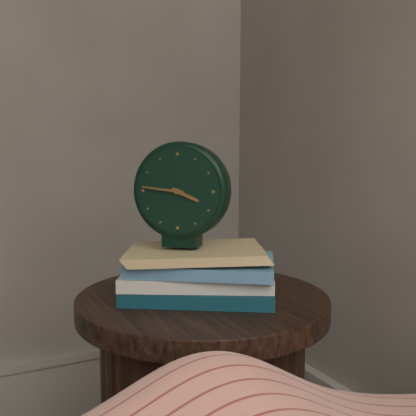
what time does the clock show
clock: 3:46
